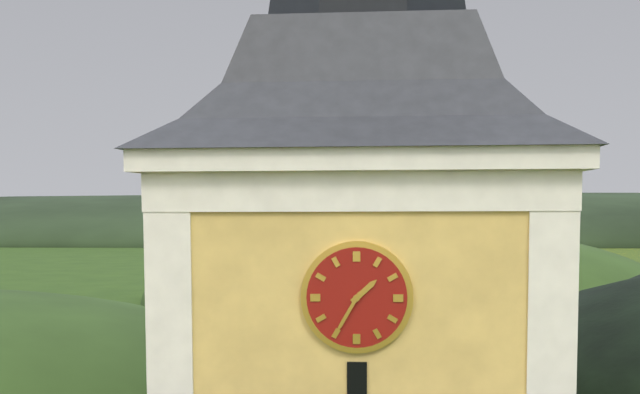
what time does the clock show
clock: 1:35
